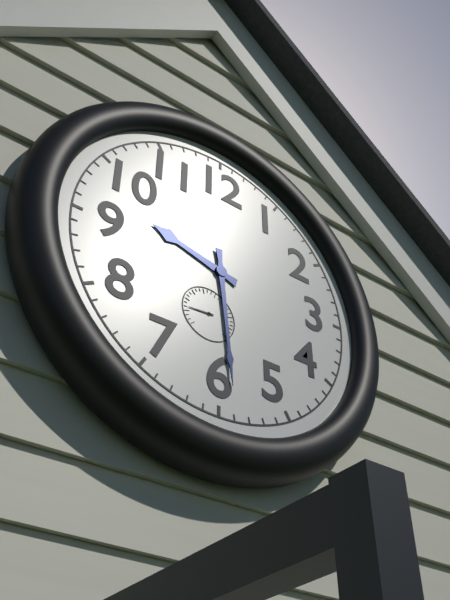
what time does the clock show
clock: 9:29
